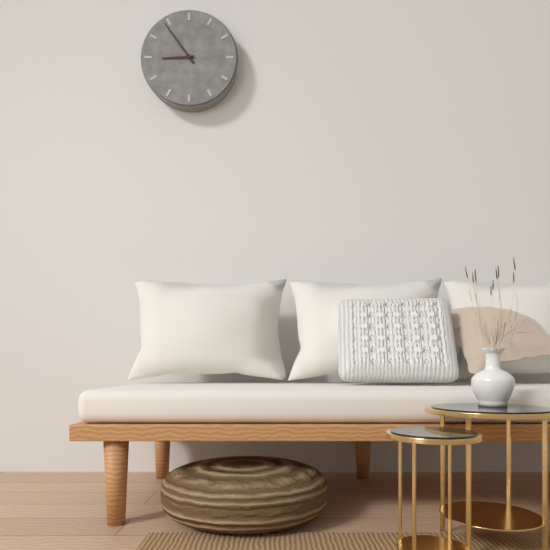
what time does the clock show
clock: 8:54
